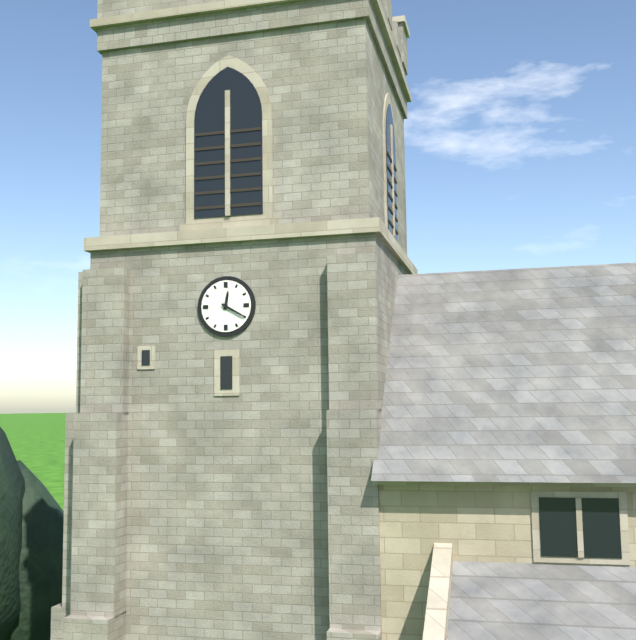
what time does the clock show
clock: 12:20
